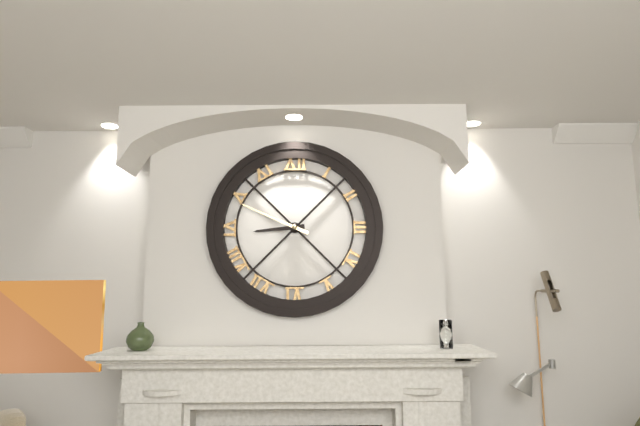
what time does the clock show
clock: 8:49
